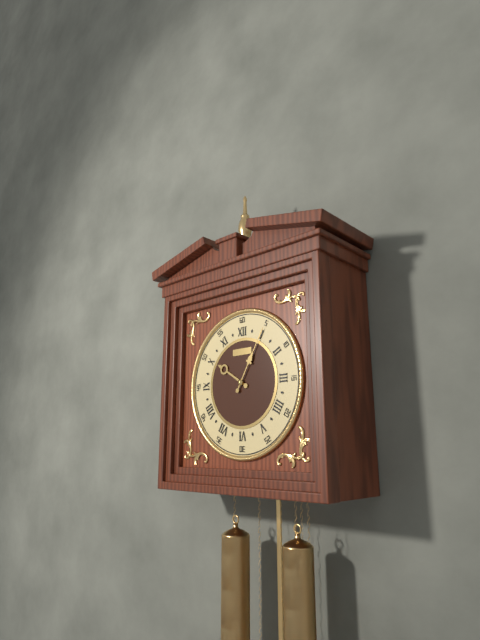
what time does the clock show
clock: 10:05
